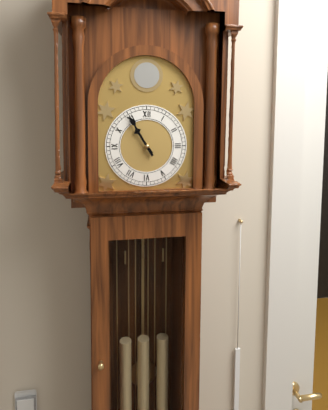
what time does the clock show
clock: 10:55
